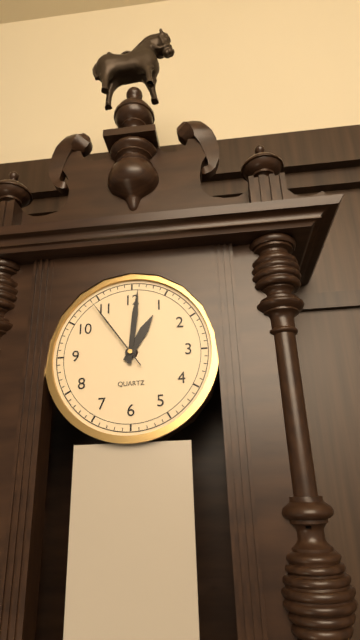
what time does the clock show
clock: 1:01:54
